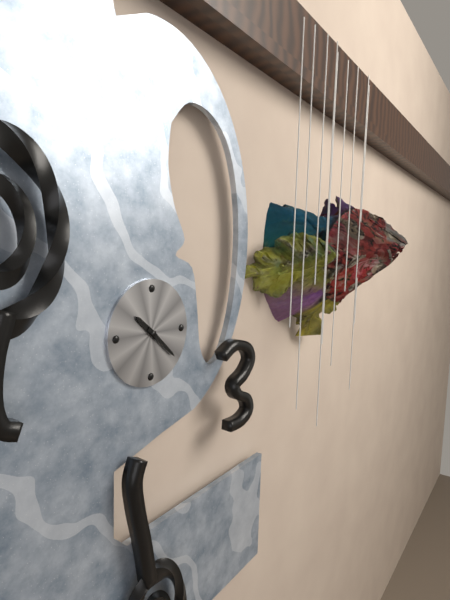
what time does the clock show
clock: 10:22
